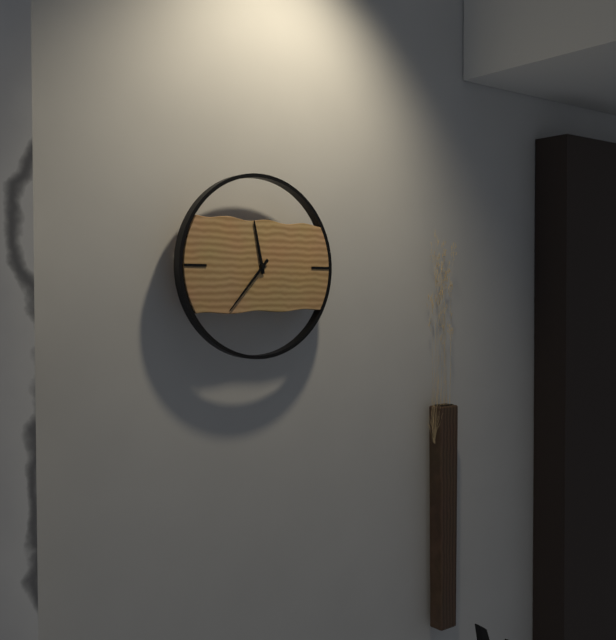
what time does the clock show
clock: 11:37
